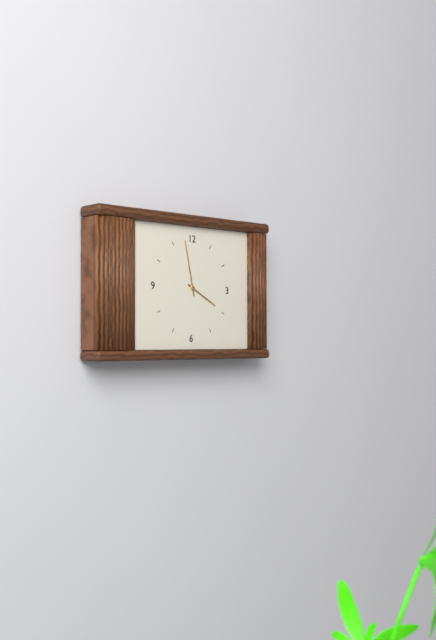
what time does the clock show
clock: 3:58
